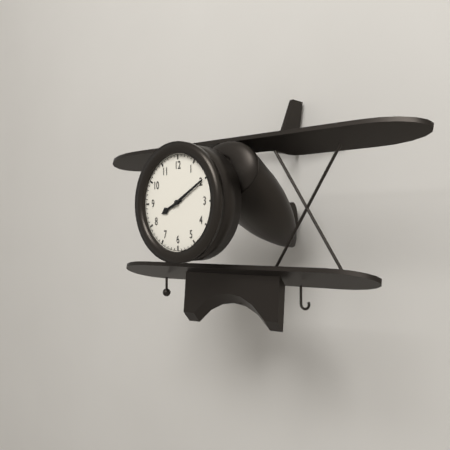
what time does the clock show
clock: 8:10
